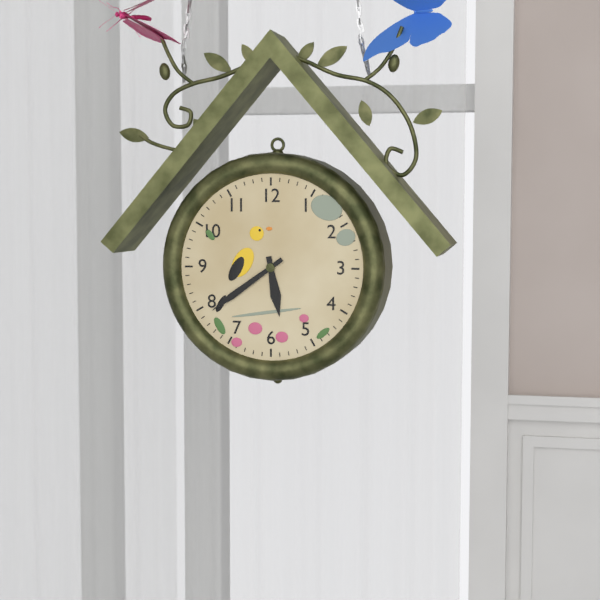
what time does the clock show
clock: 5:39
